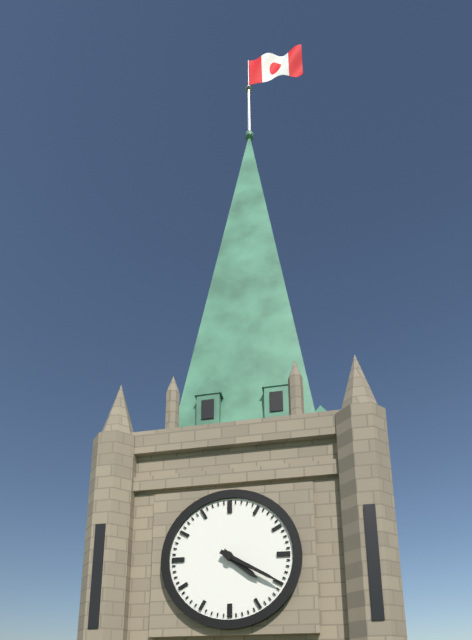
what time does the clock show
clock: 4:20
